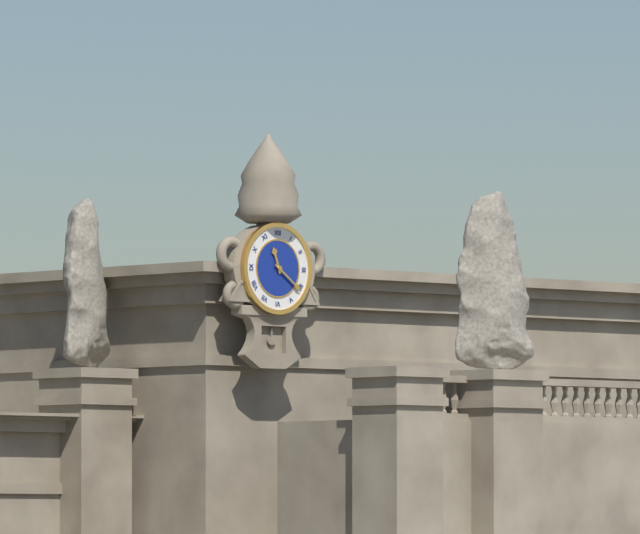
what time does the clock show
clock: 11:21
